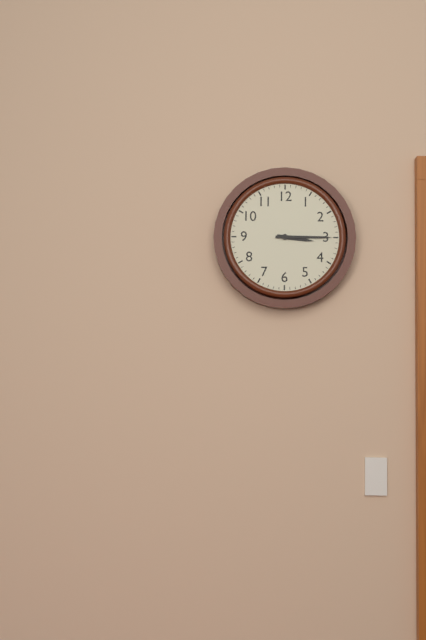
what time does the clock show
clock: 3:15
